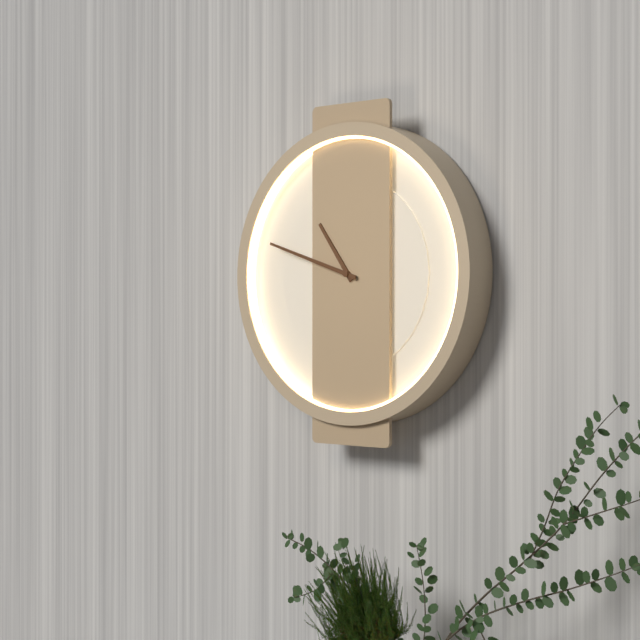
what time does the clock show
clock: 10:48
